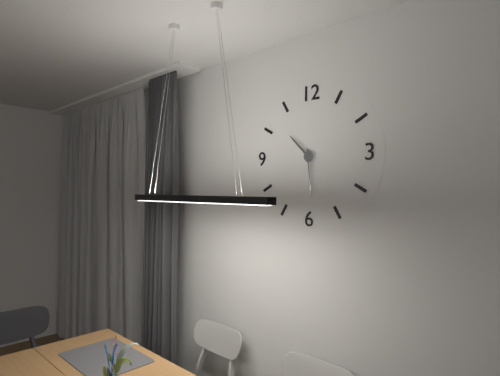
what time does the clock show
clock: 10:29
